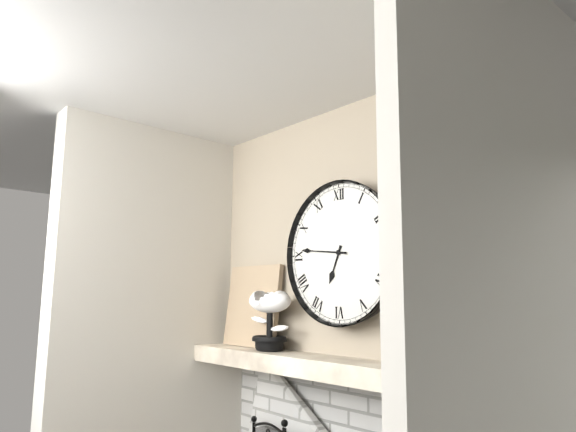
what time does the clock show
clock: 6:46
